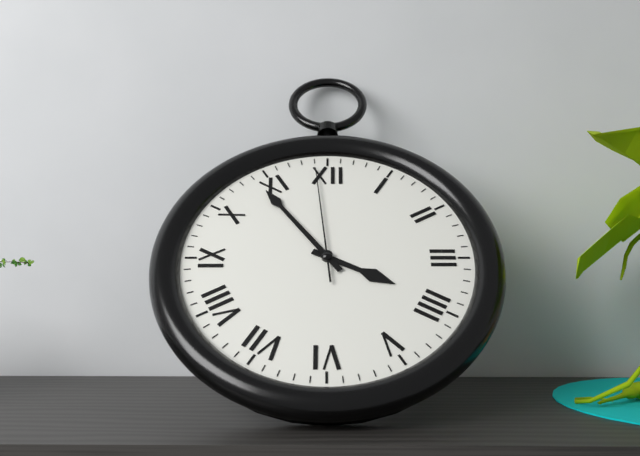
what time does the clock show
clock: 3:54:59
